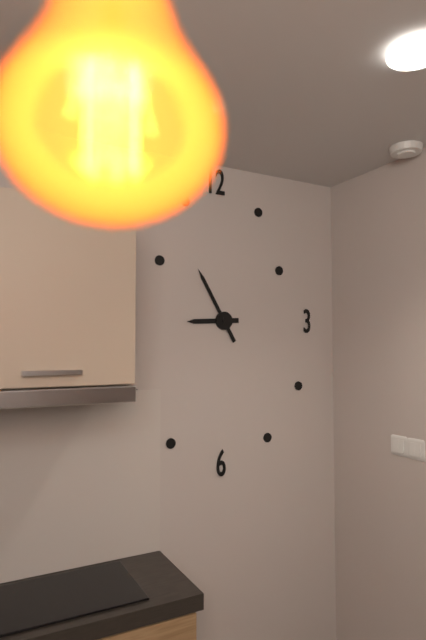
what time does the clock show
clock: 8:55
